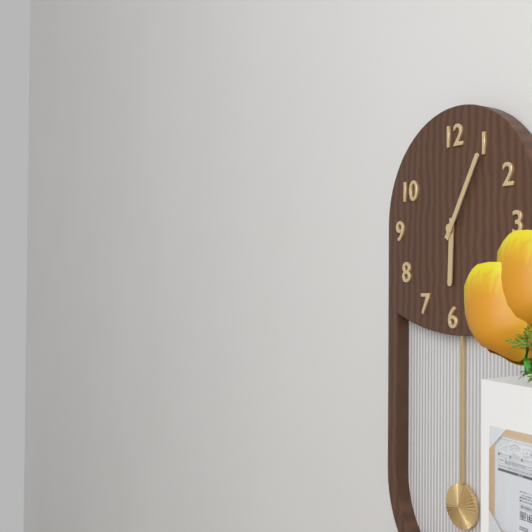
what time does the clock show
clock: 6:05
